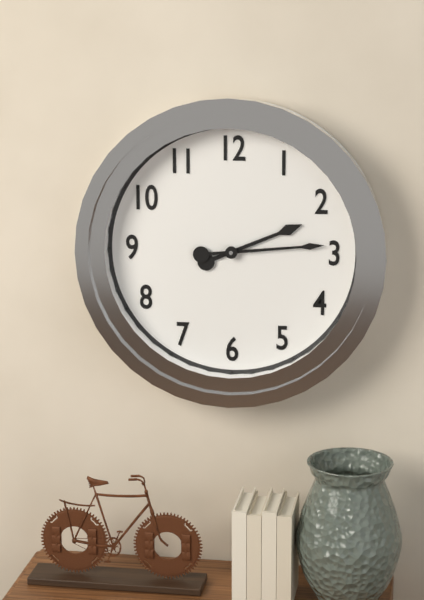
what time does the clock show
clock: 2:14
